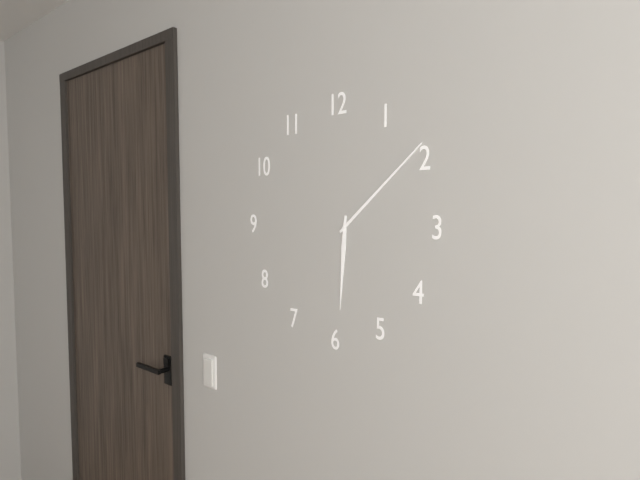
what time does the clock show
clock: 6:08
